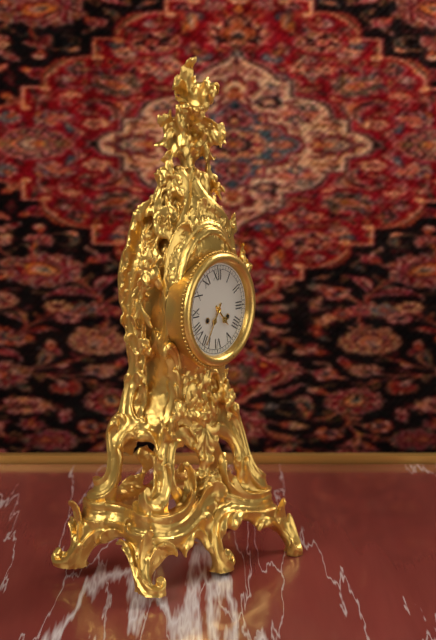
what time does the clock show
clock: 4:35
